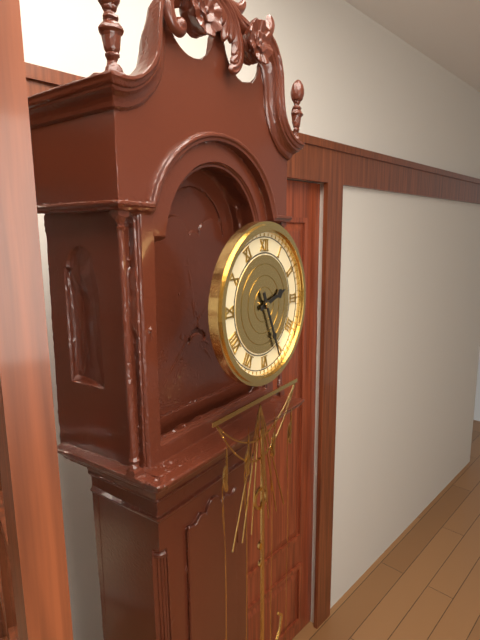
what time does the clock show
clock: 2:26
